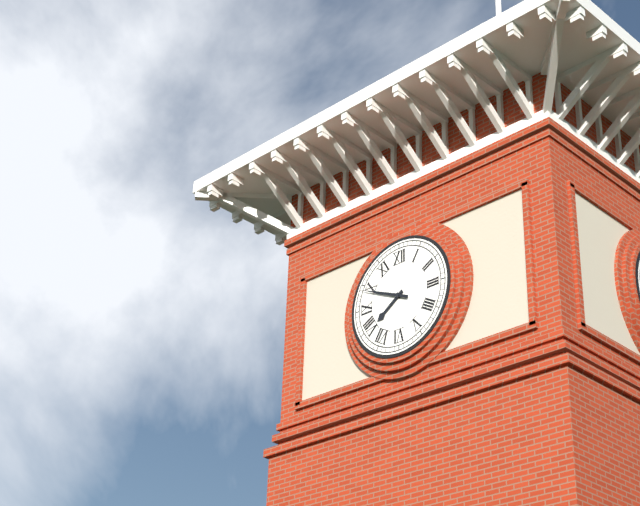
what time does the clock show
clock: 7:49
